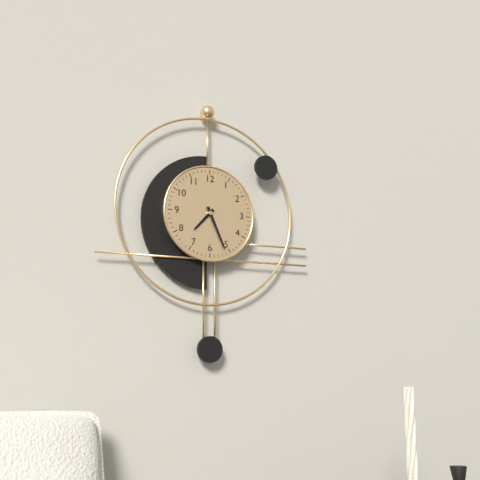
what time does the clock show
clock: 7:26
